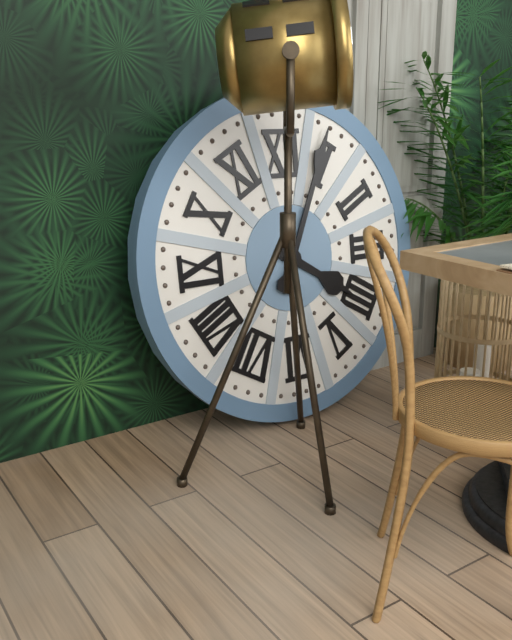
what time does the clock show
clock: 4:04
